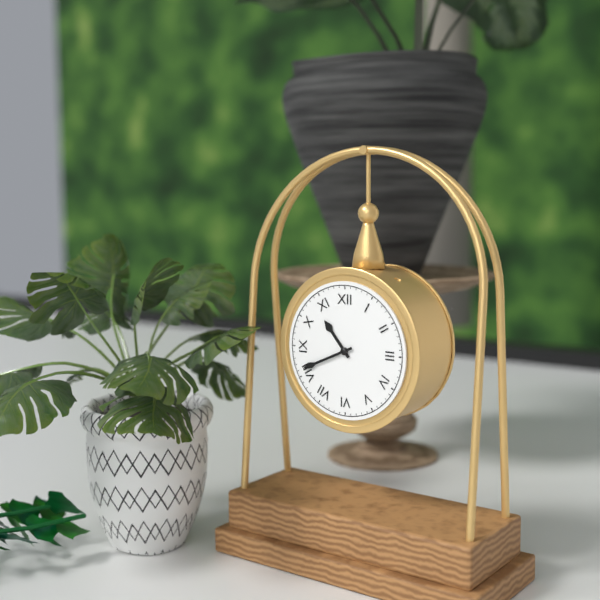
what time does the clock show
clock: 10:41
